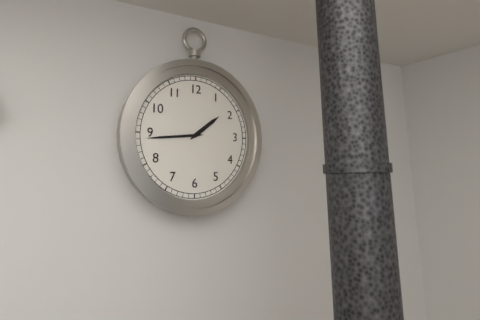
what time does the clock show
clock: 1:44
